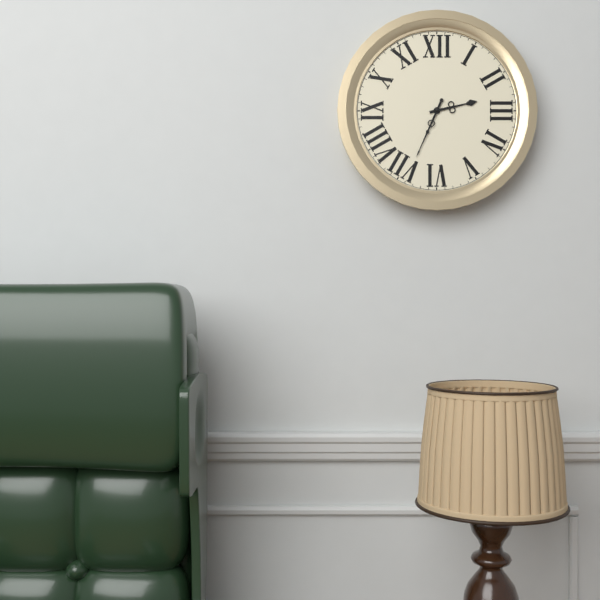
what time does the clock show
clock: 2:34
